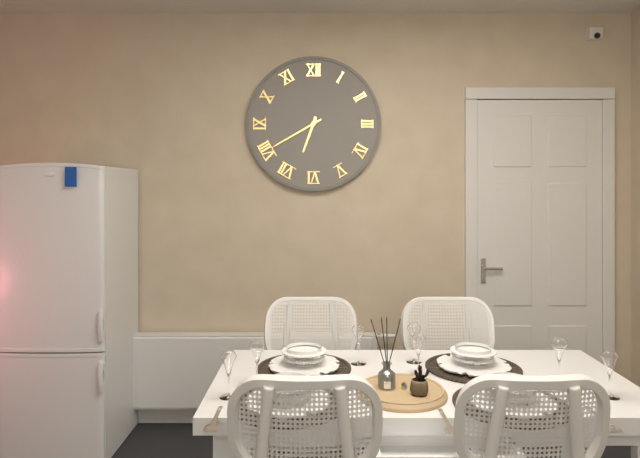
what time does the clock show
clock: 6:40
